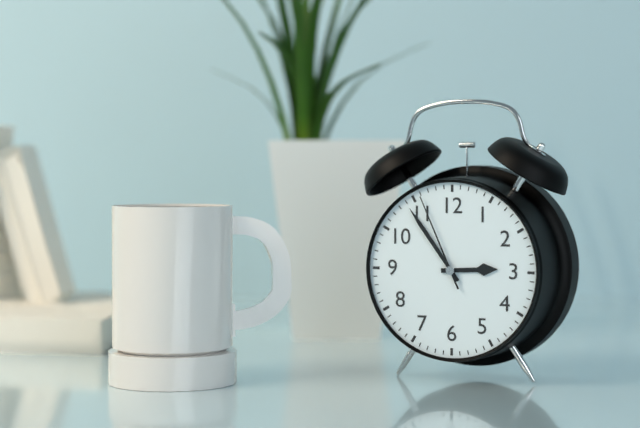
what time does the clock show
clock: 2:54:56
